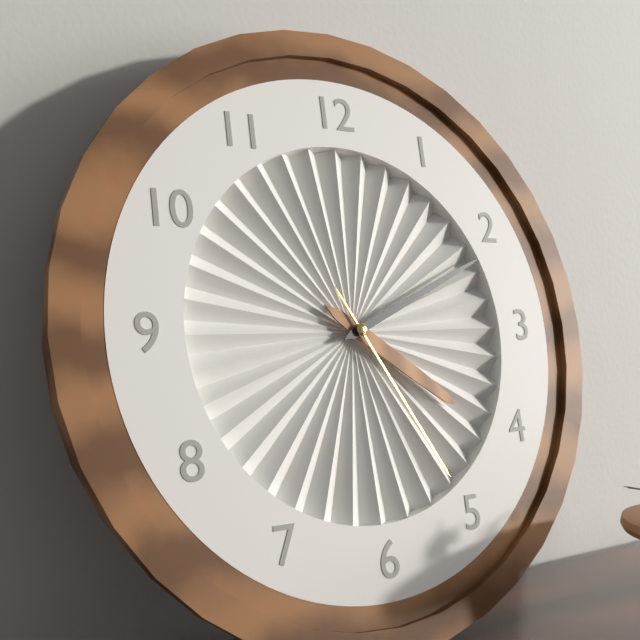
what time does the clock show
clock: 4:11:25
